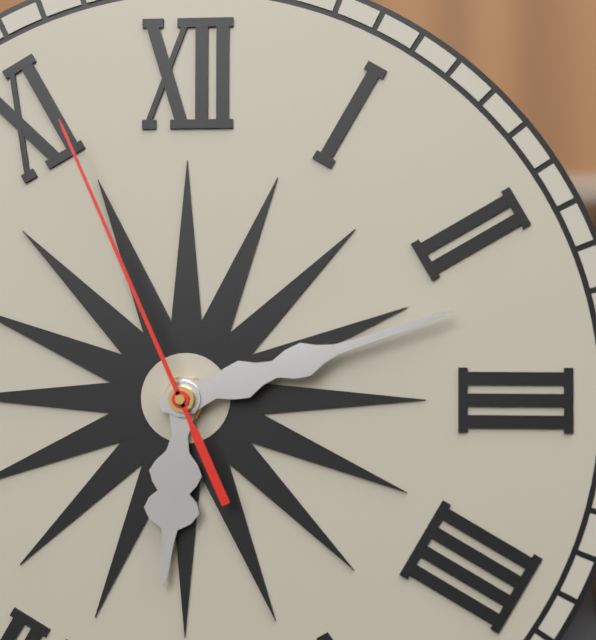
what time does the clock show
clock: 6:12:56
